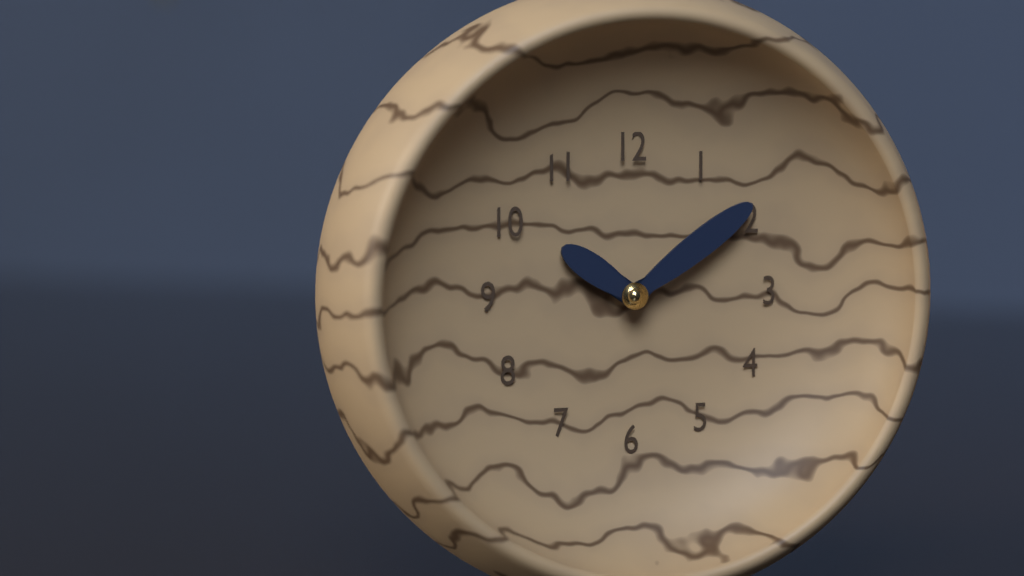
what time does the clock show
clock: 10:09
